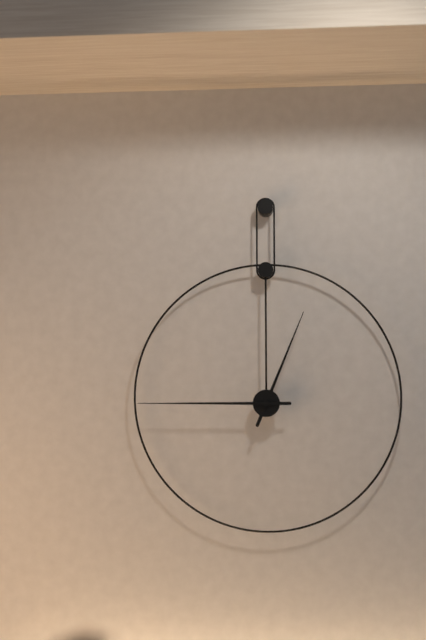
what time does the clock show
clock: 12:45
